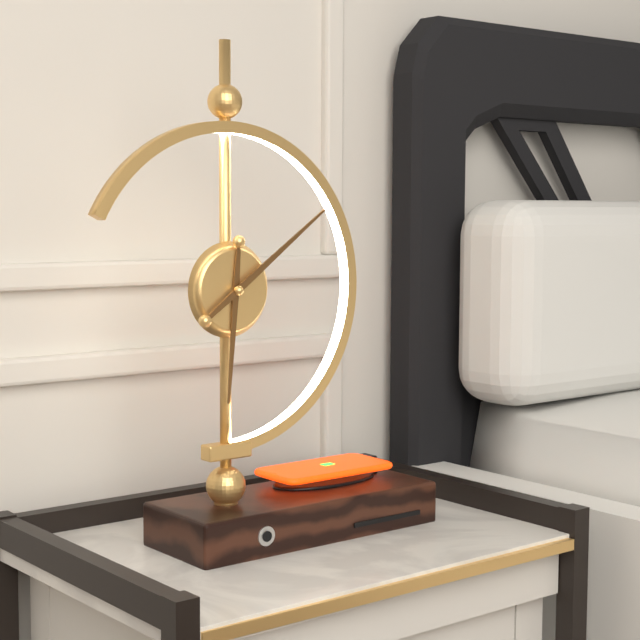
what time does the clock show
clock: 6:09
